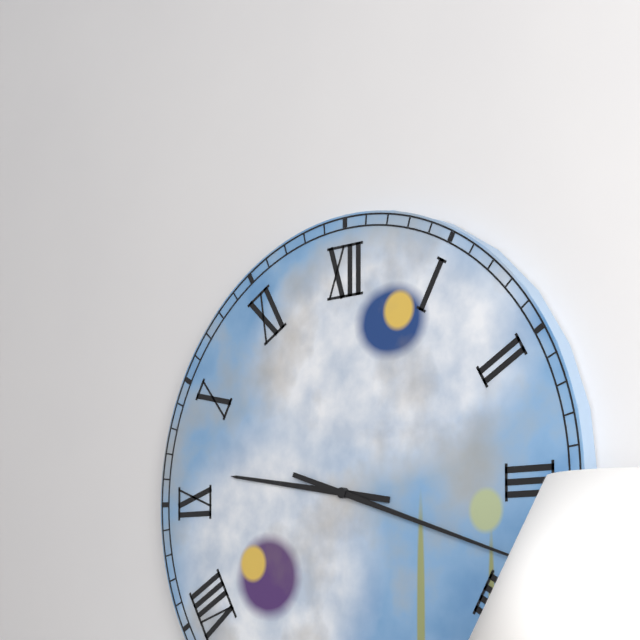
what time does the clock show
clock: 9:18
